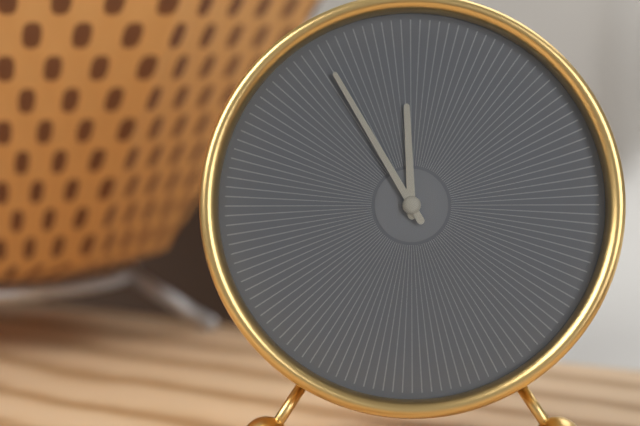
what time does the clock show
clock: 11:55
